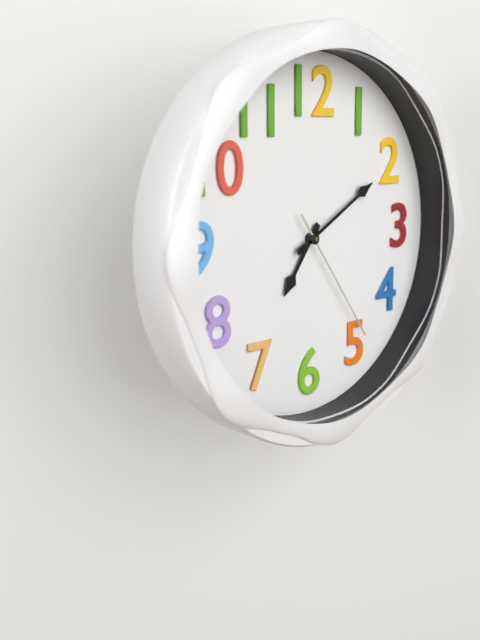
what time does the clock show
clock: 7:10:24
